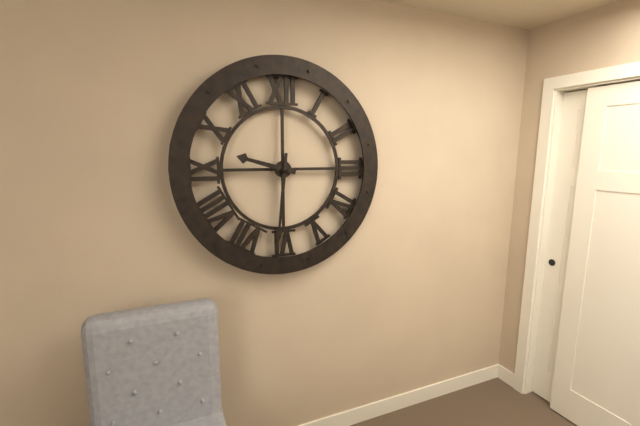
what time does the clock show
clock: 9:31
